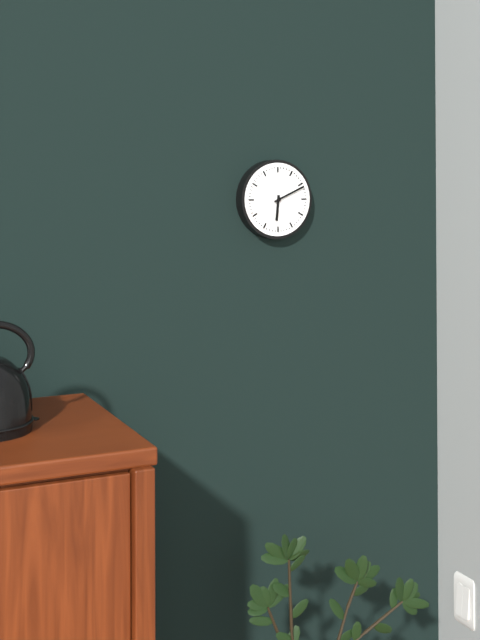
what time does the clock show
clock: 6:11
